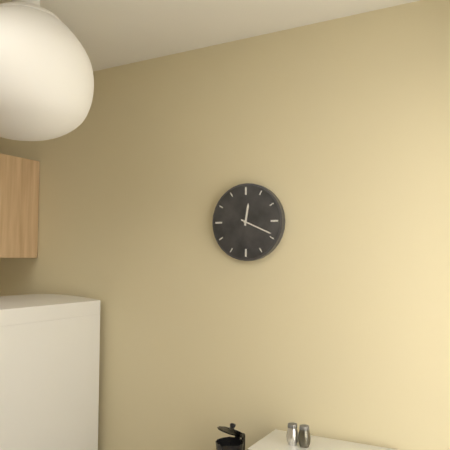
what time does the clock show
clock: 12:19
